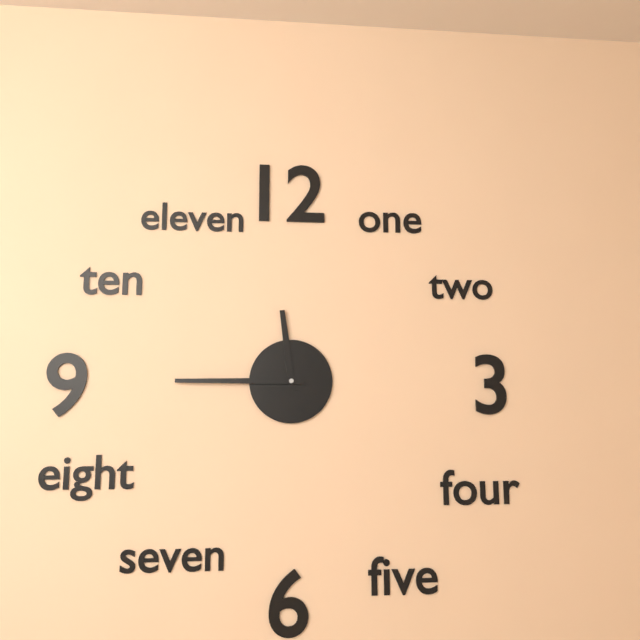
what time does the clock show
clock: 11:45
